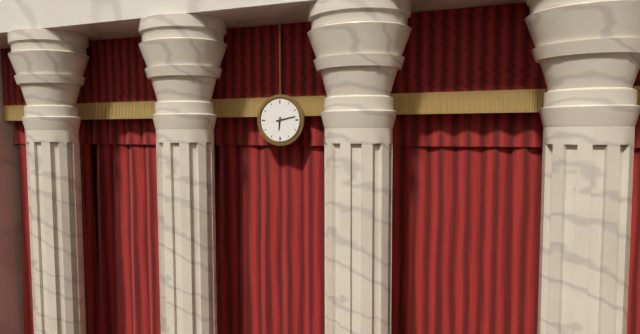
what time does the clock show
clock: 6:13
